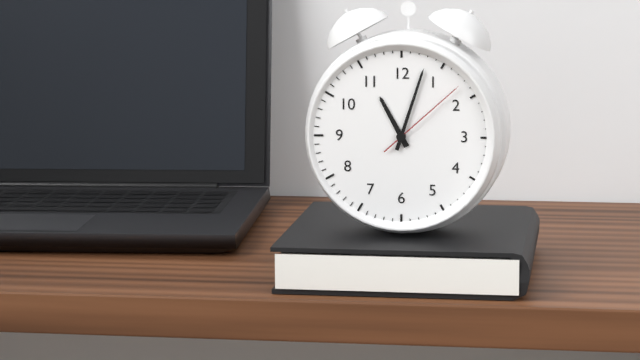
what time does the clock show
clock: 11:03:08
